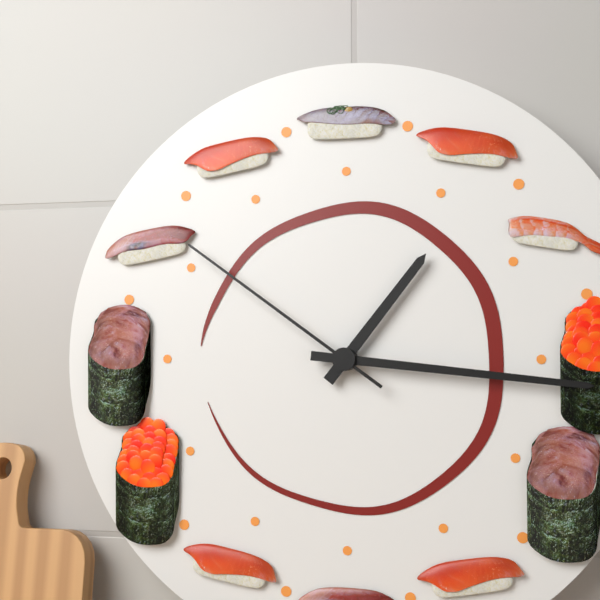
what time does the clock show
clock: 1:16:51
